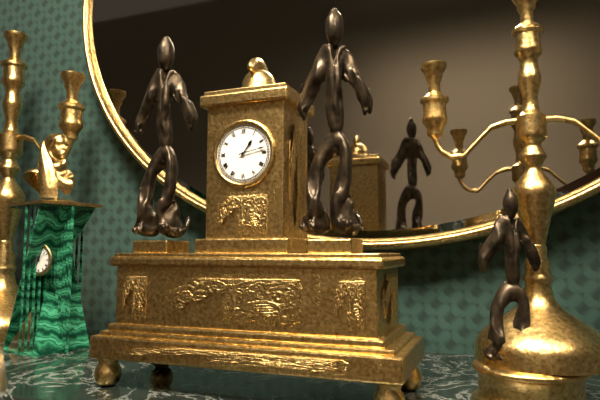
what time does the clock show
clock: 1:13
